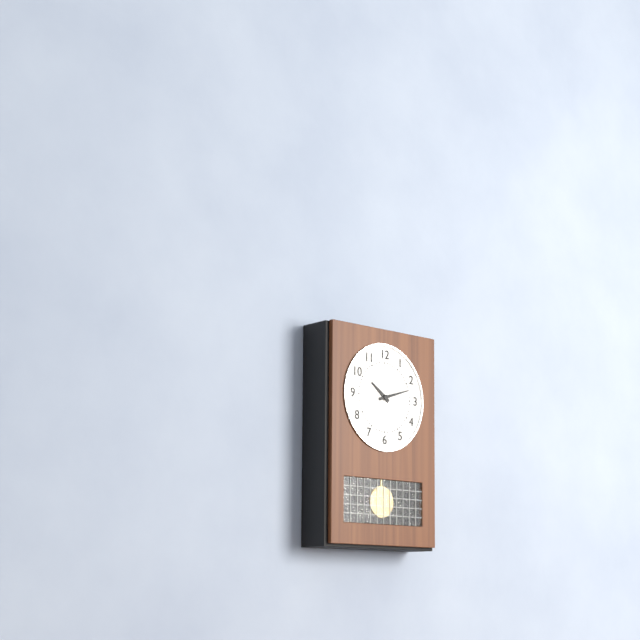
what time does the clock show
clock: 10:12
